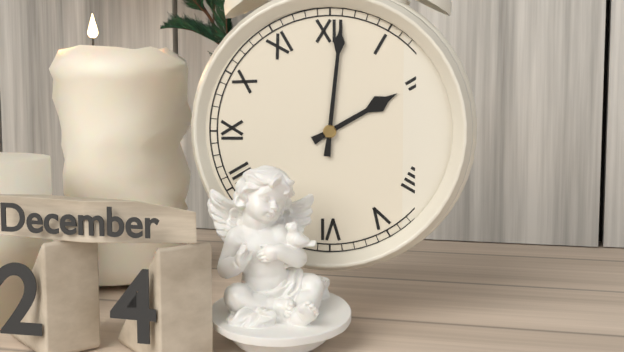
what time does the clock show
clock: 2:01
